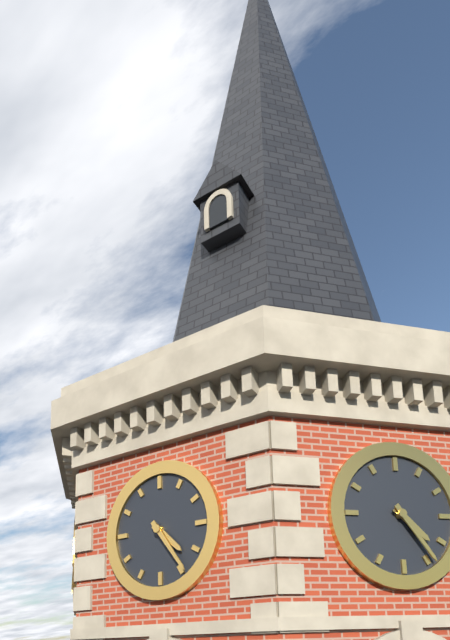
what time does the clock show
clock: 4:24
